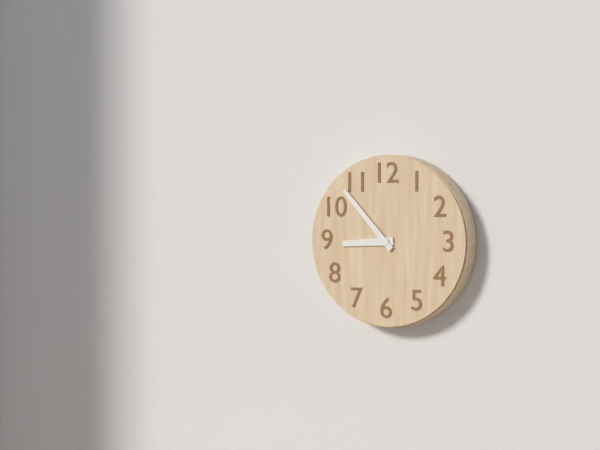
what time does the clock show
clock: 8:53
